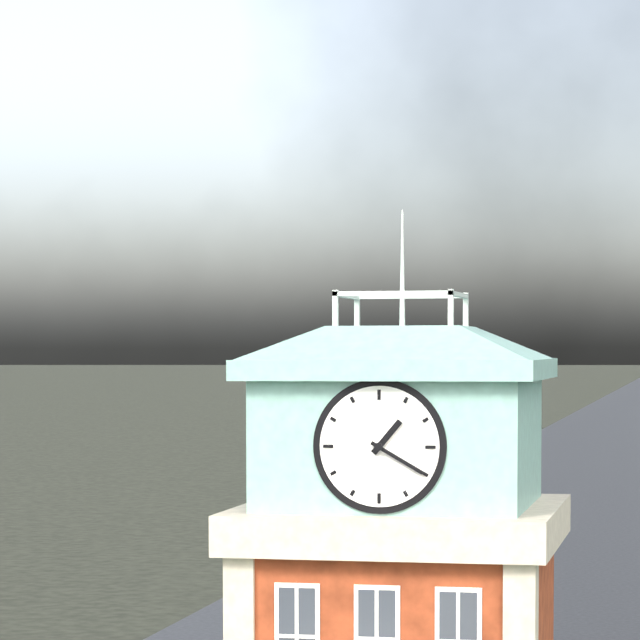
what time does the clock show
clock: 1:20
